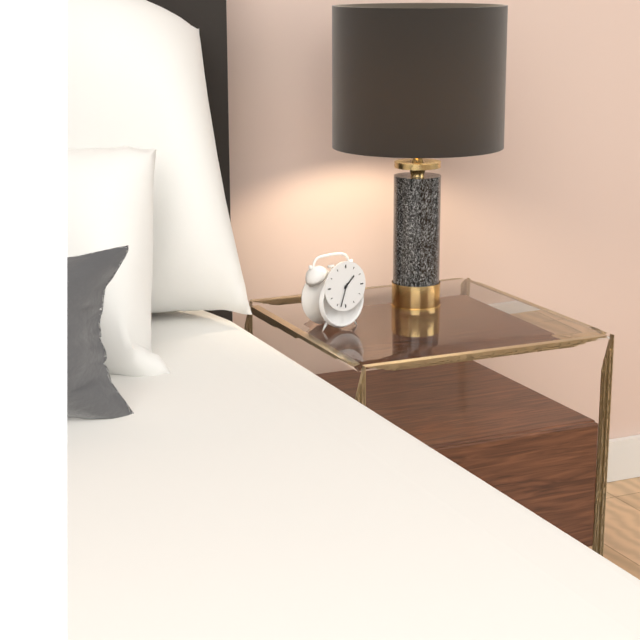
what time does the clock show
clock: 1:33
